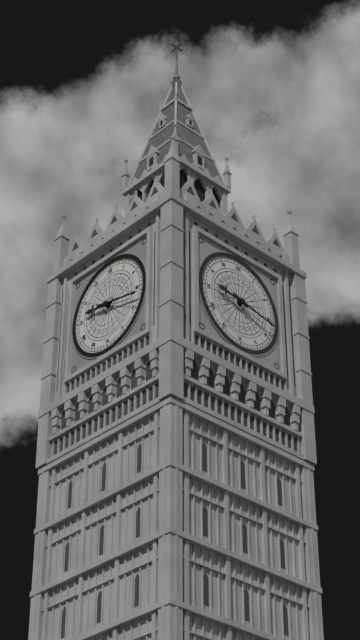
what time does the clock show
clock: 9:17
